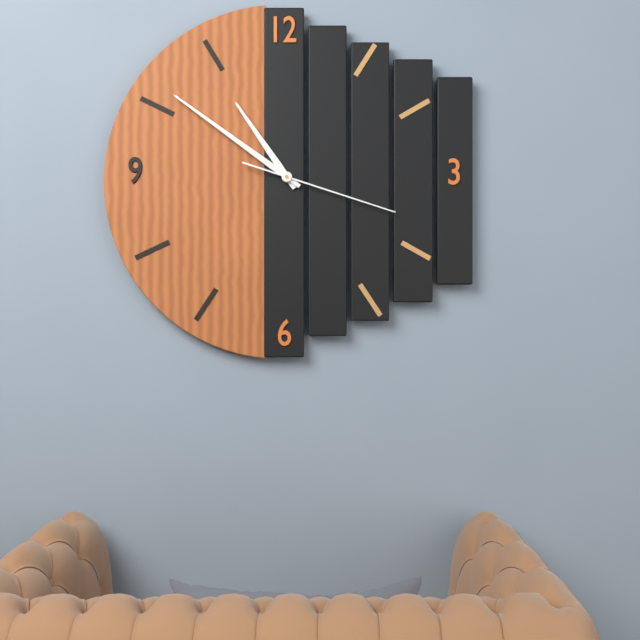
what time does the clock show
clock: 10:51:18
